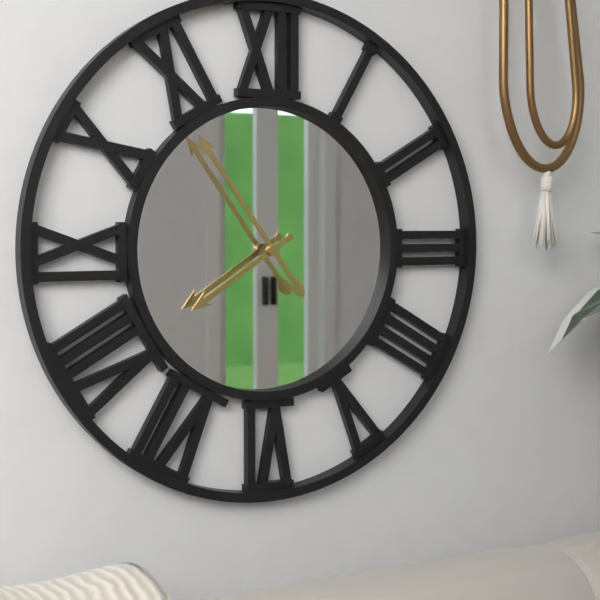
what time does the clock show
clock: 7:54
